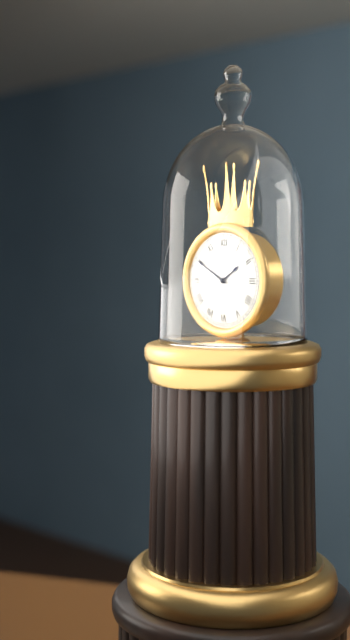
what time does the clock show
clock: 1:50
